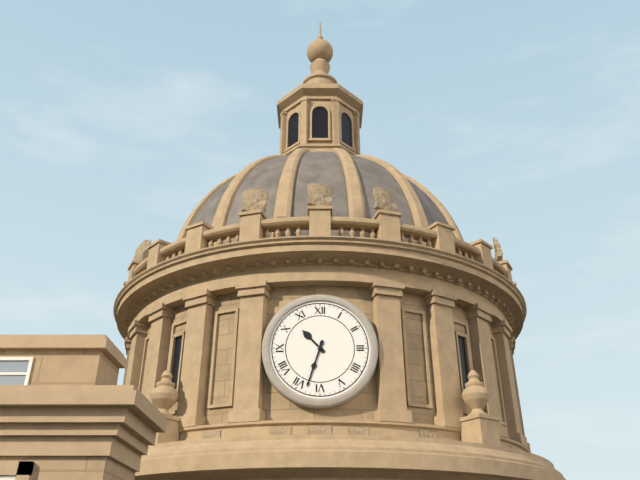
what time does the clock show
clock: 10:33
